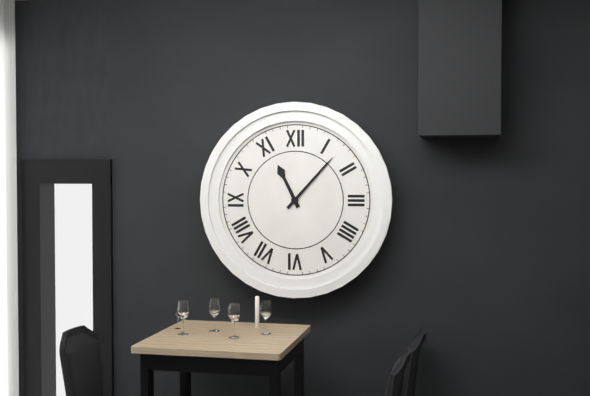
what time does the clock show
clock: 11:07
